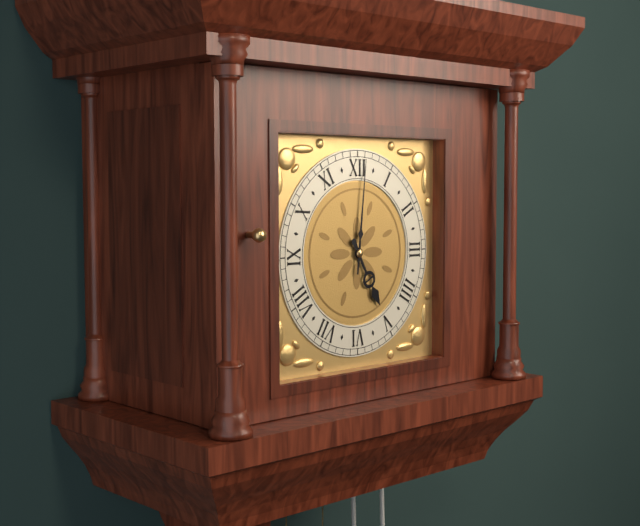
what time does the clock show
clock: 5:01
